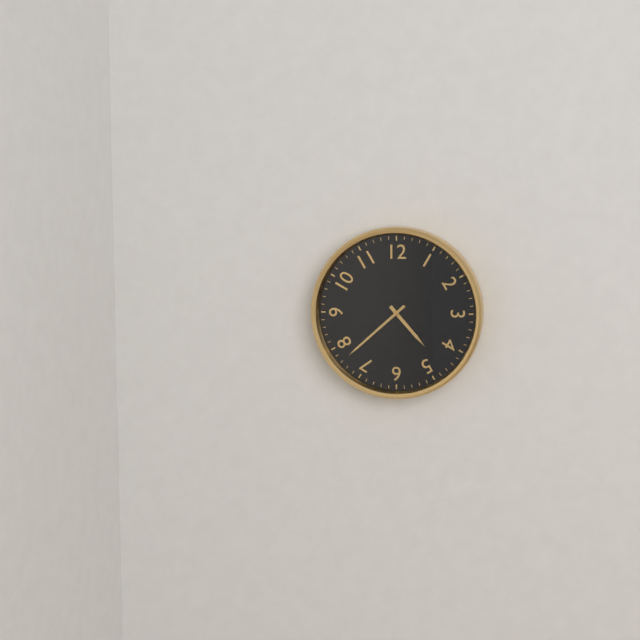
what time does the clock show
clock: 4:38
